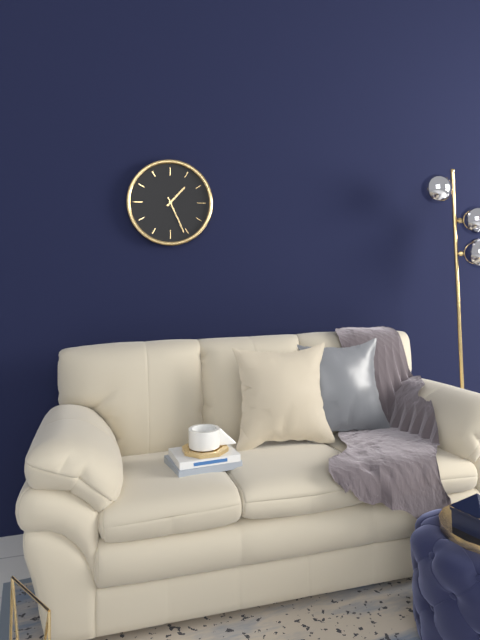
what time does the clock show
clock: 1:26
